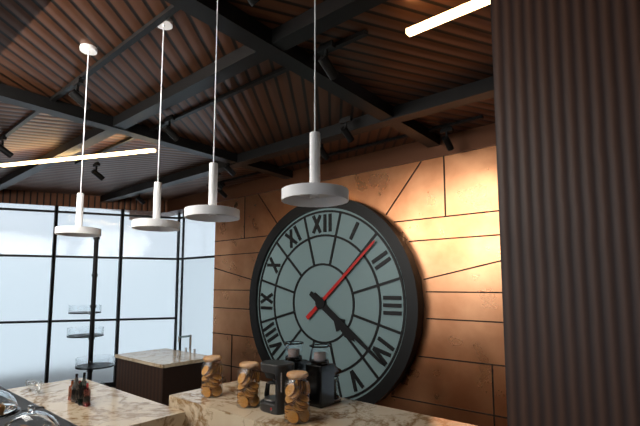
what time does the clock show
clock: 4:21:08
